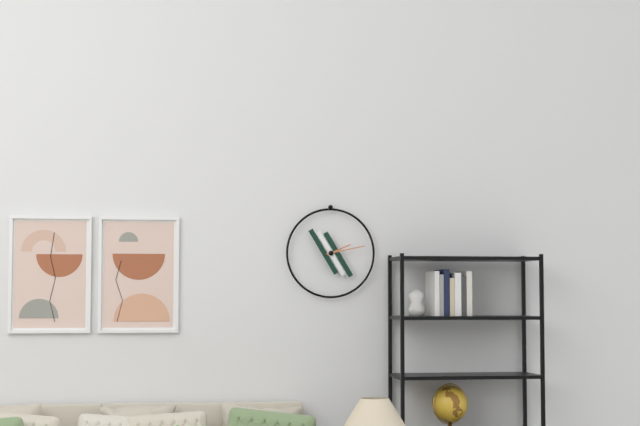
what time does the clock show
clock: 2:13
